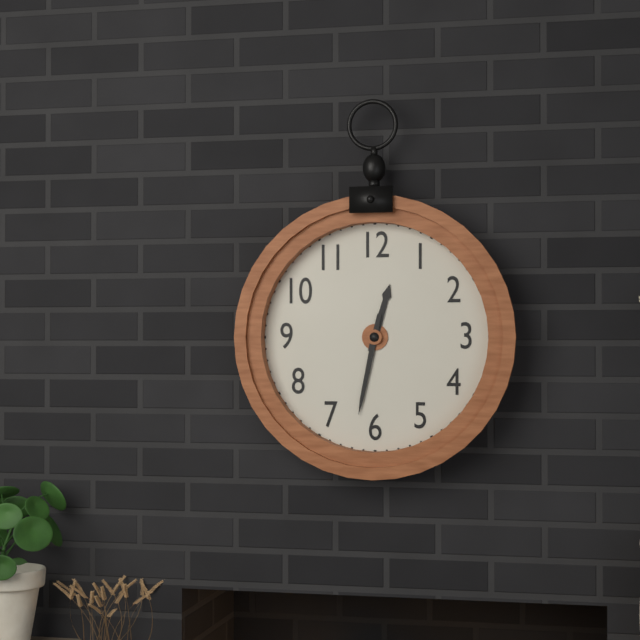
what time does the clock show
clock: 12:32
